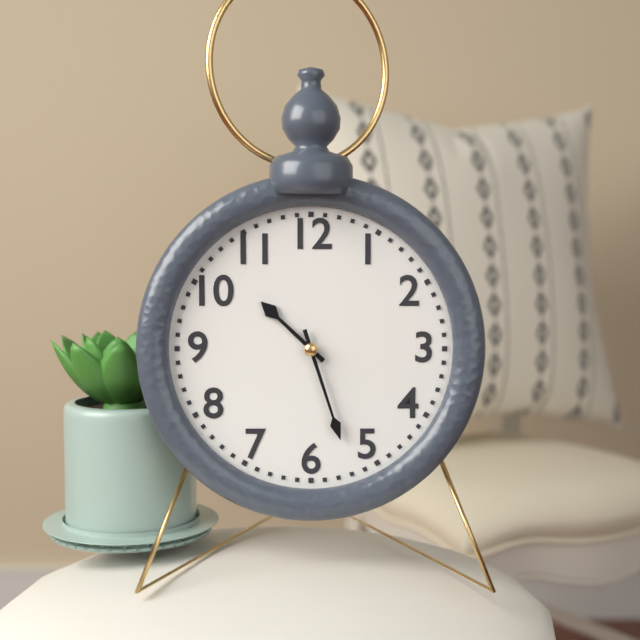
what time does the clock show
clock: 10:27
